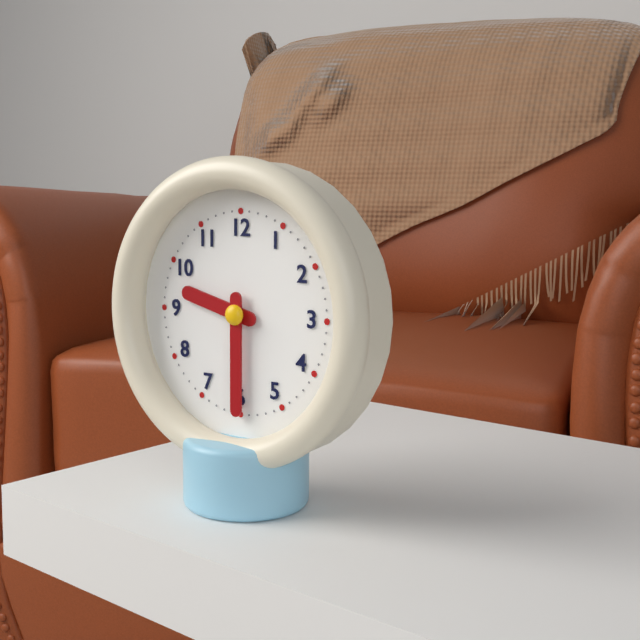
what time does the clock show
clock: 9:30
